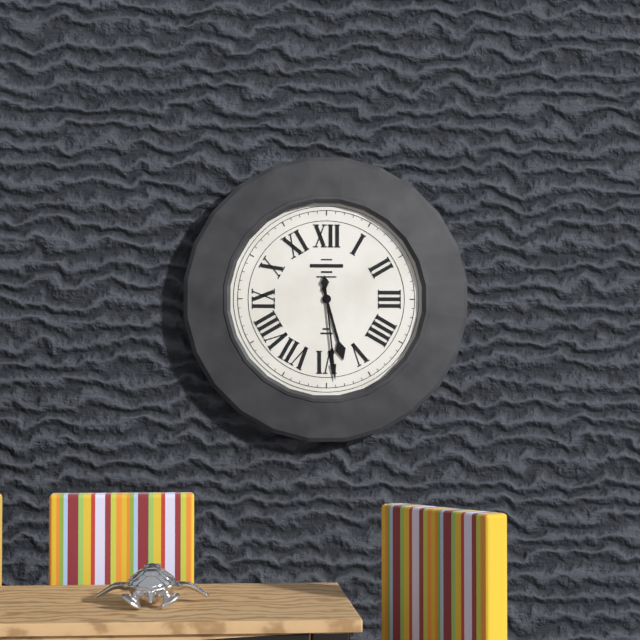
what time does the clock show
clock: 5:29
